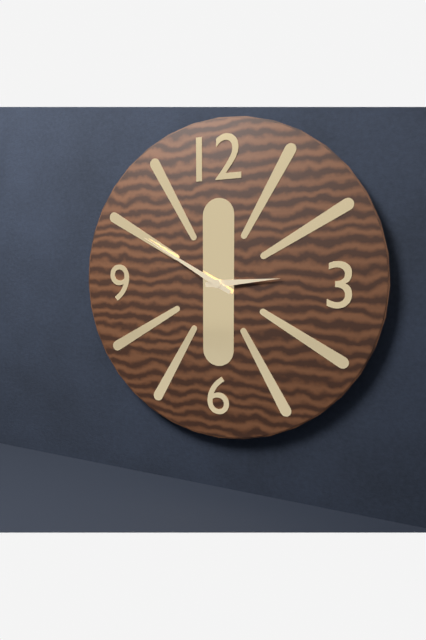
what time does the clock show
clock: 2:50
